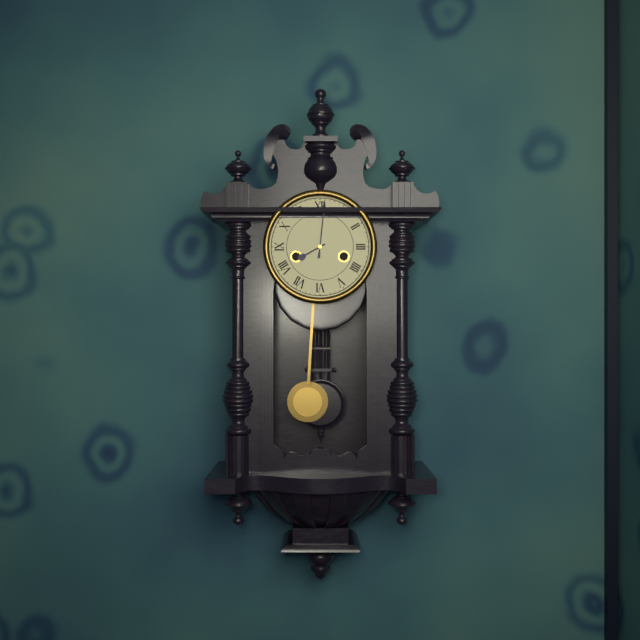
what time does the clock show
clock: 8:01
